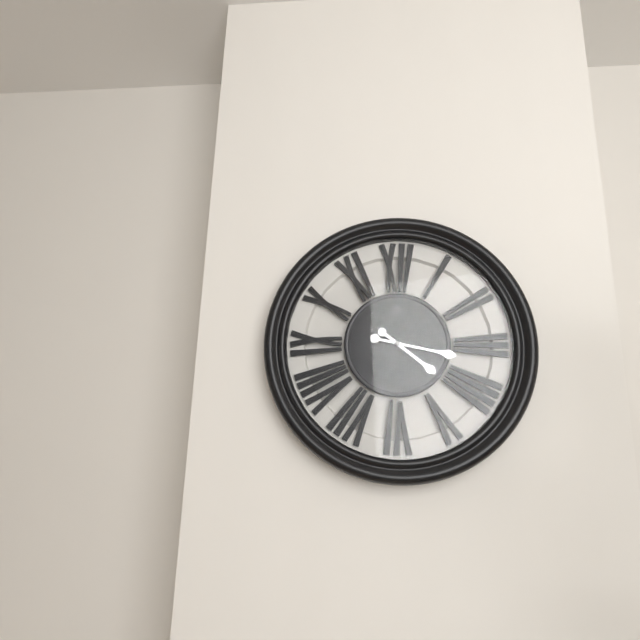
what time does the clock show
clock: 4:17
